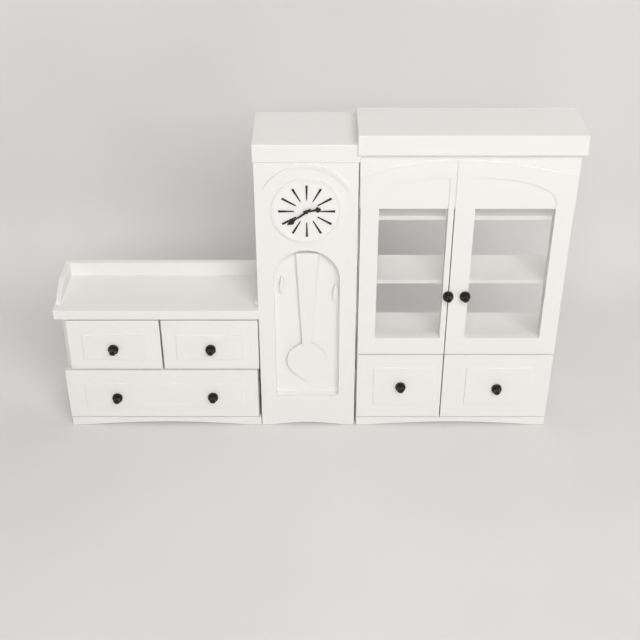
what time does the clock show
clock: 2:39
